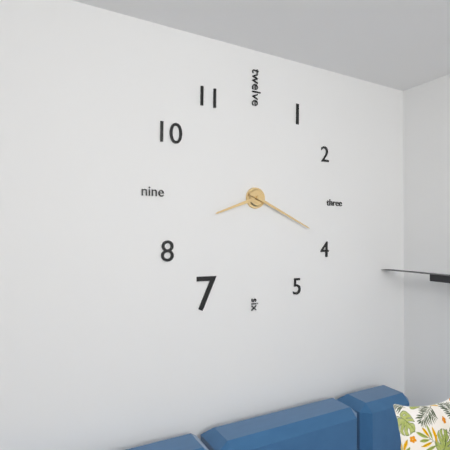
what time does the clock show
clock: 8:19
